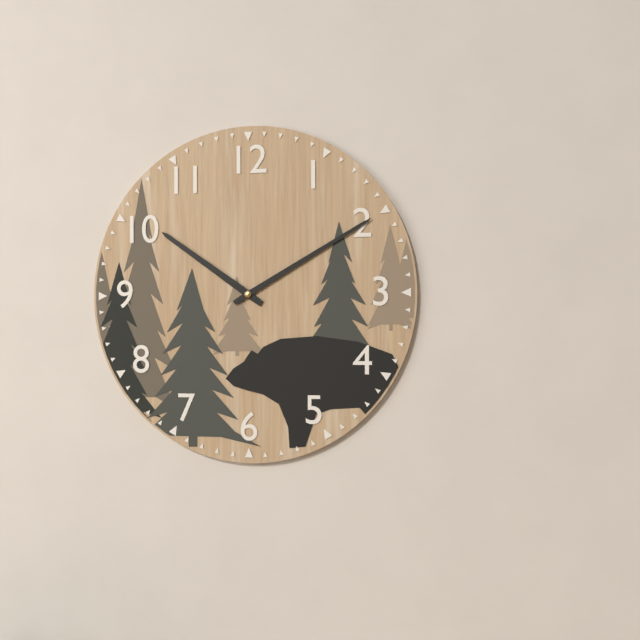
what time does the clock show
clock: 10:10
